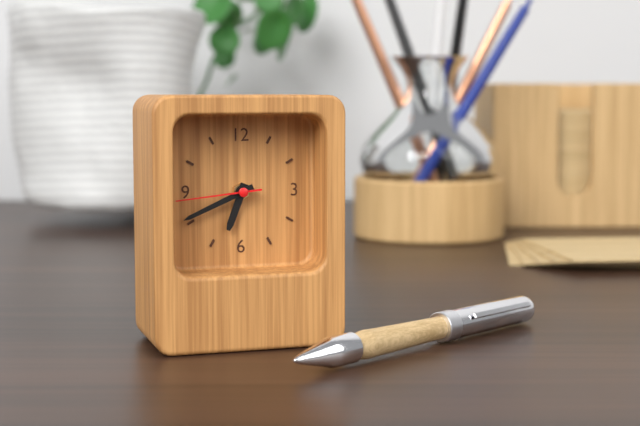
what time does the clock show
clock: 6:41:44
